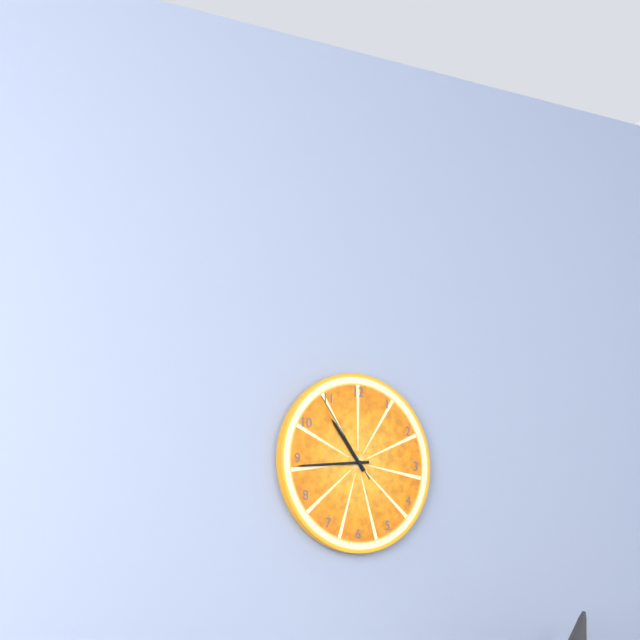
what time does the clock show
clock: 10:44:54
